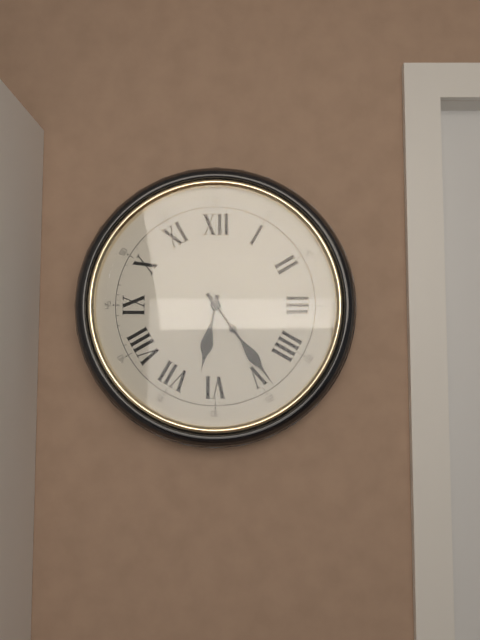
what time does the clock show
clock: 6:24
